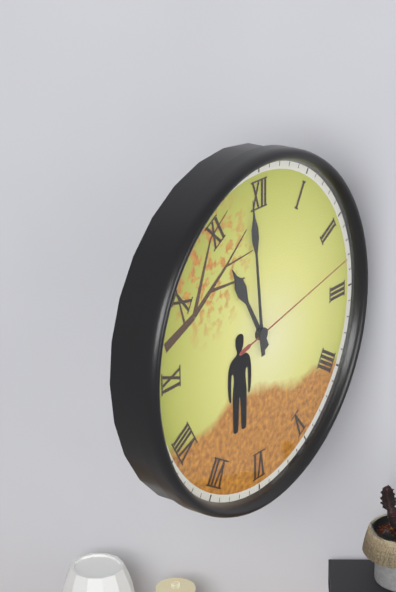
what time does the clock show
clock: 10:59:13
